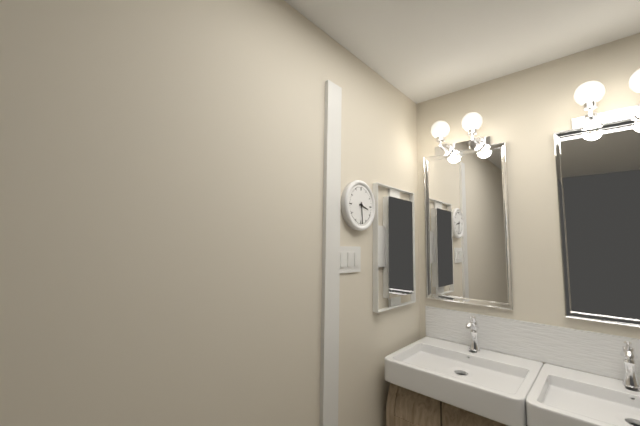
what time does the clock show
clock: 3:29
